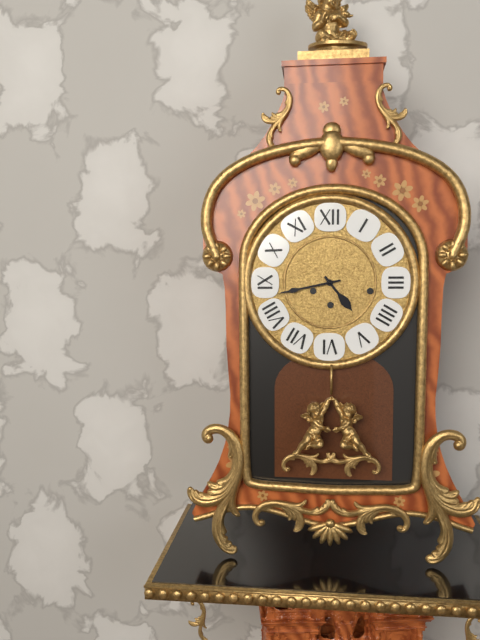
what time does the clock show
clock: 4:43
